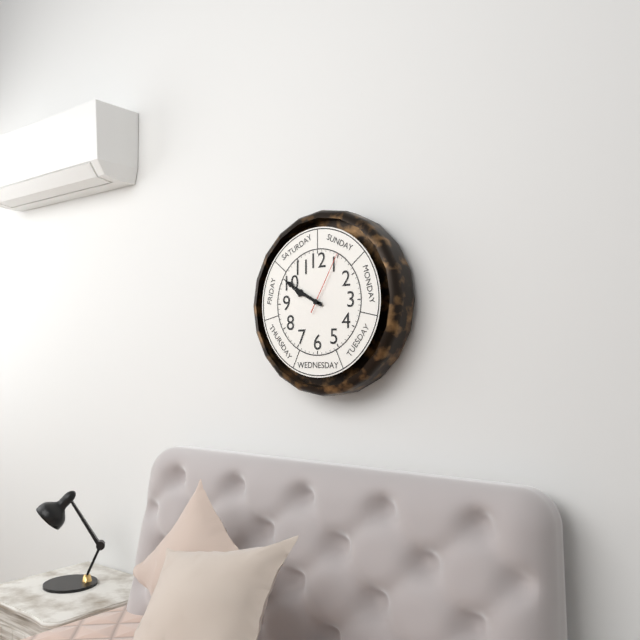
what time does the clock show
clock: 9:50:05
